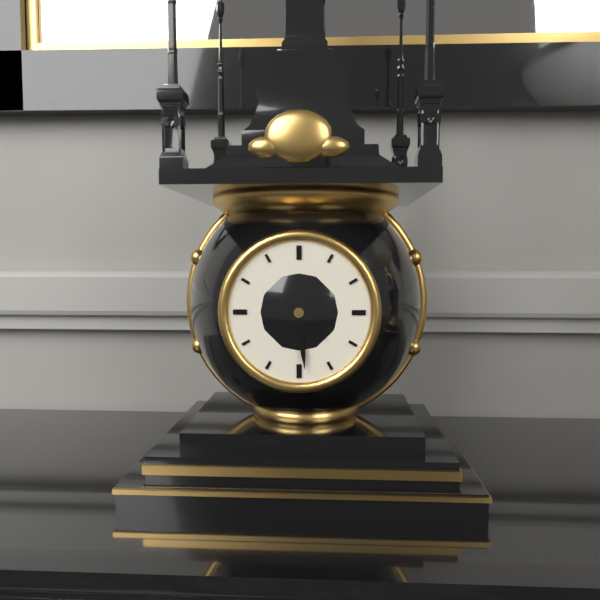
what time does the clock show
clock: 4:29
